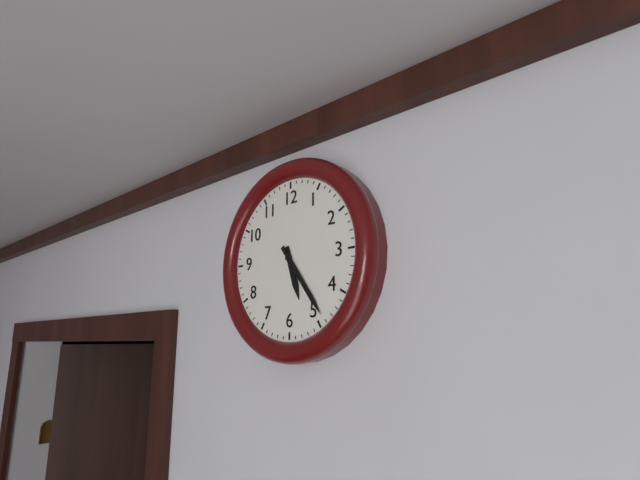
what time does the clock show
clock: 5:24
